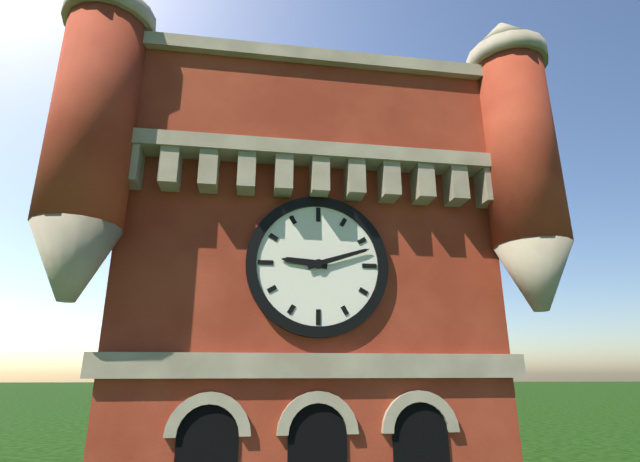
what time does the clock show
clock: 9:12
